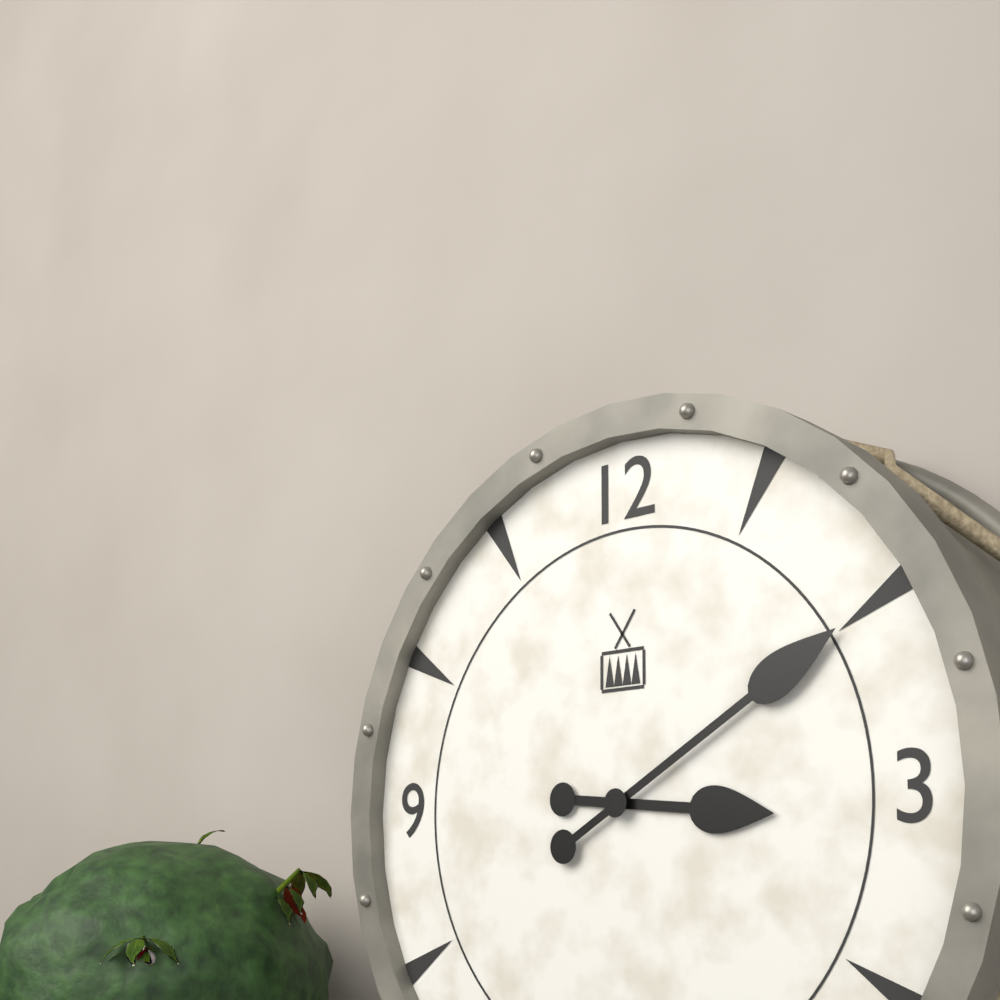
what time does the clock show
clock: 3:10
